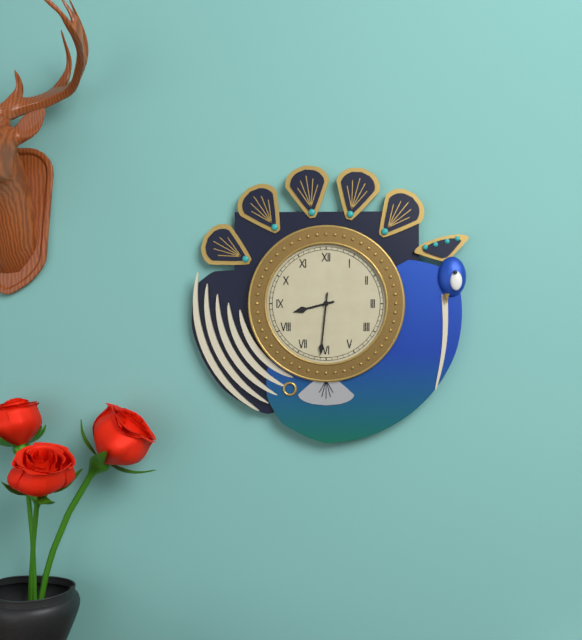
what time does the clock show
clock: 8:31
